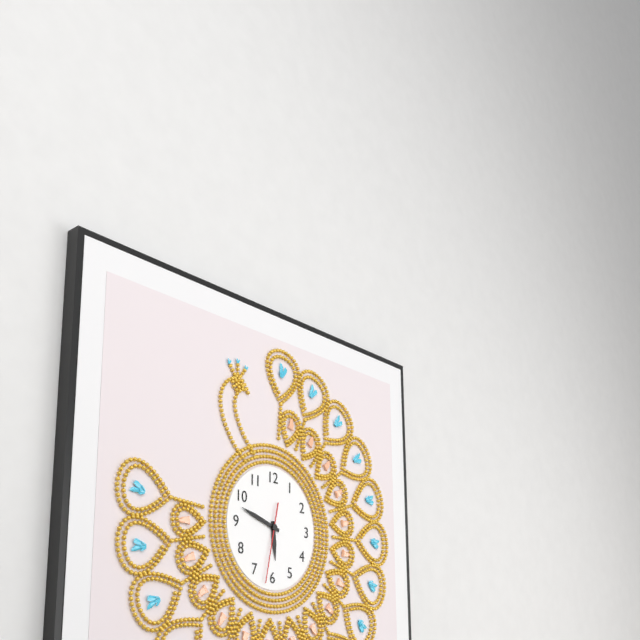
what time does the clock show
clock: 5:48:32
